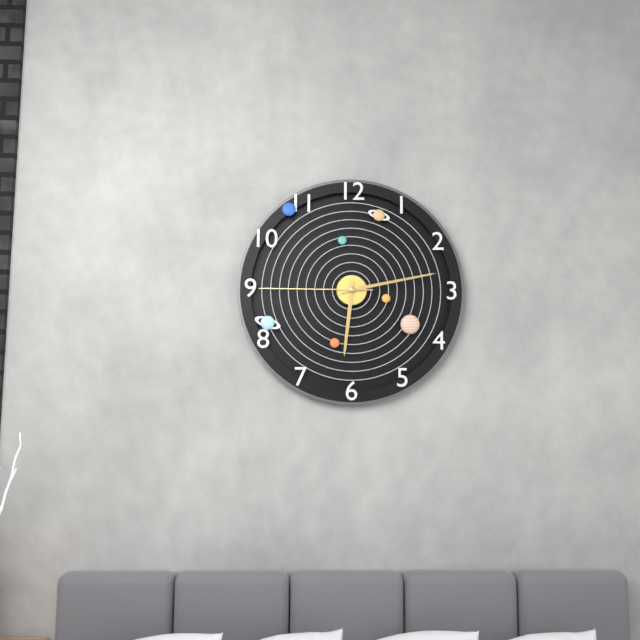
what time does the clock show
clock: 6:13:45
